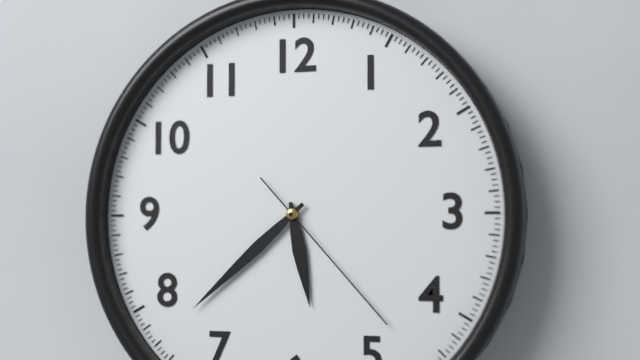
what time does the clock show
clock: 5:38:23
